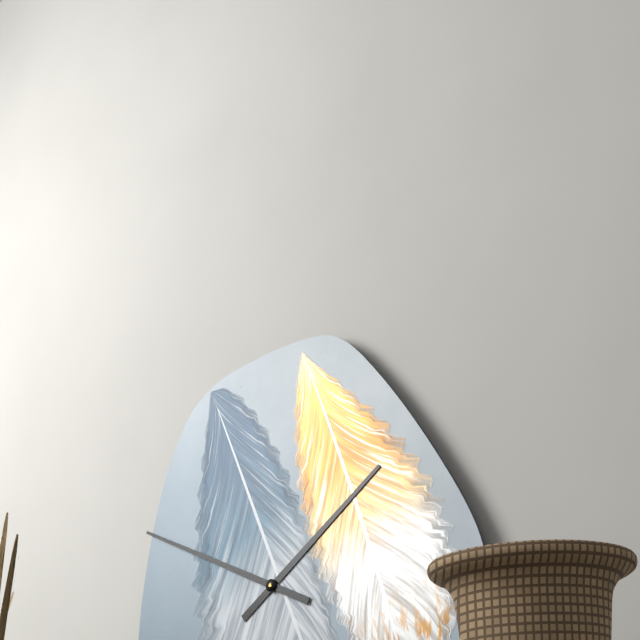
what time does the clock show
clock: 1:49
